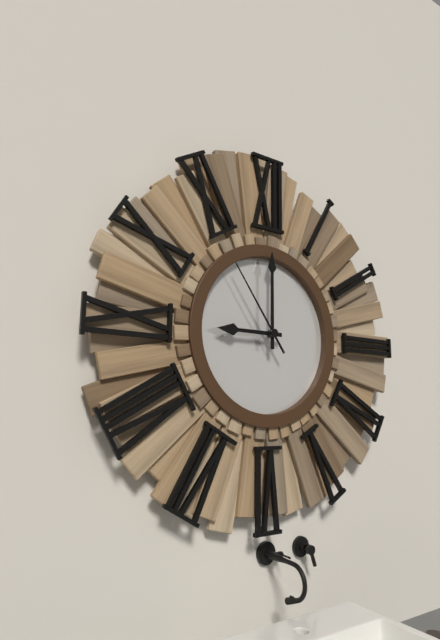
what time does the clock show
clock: 9:00:54
